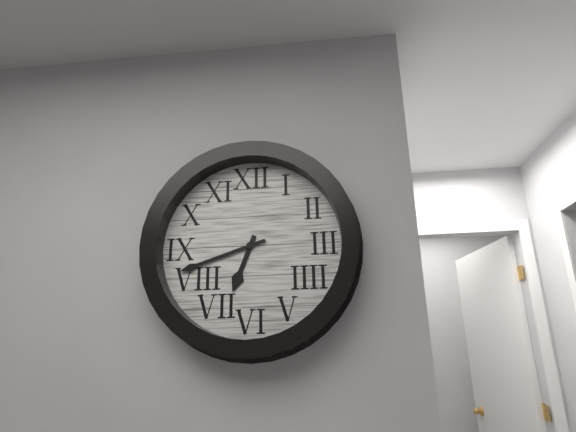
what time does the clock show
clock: 6:42
